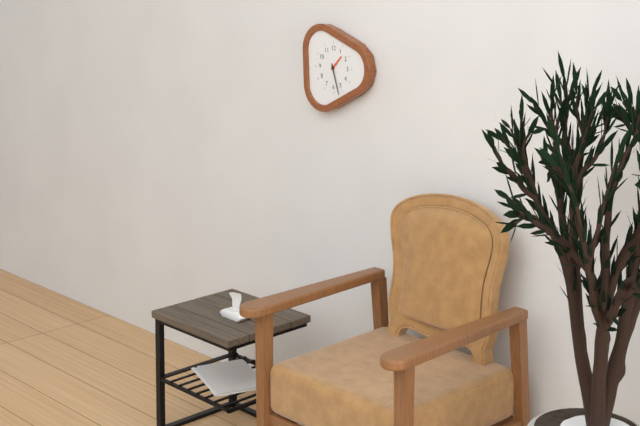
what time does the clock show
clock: 1:27
